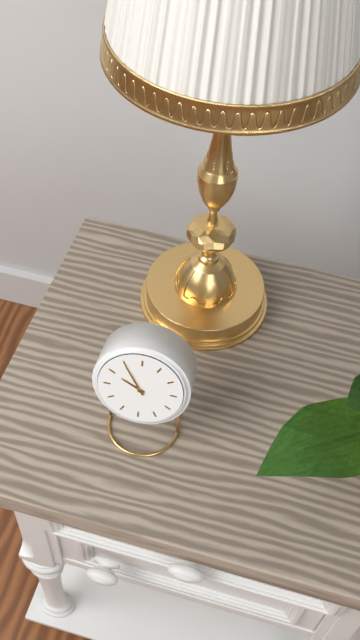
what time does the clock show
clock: 9:55
